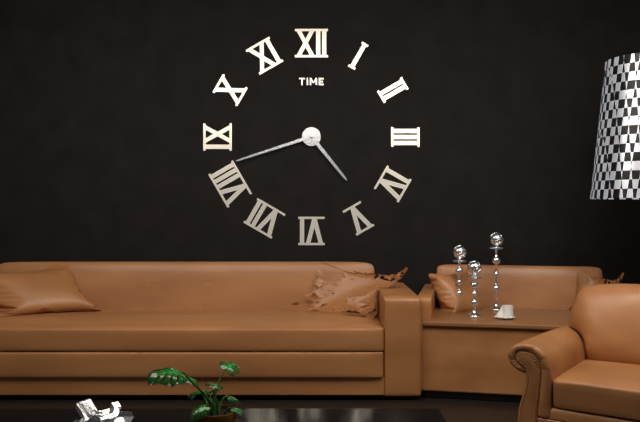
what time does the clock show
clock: 4:42
